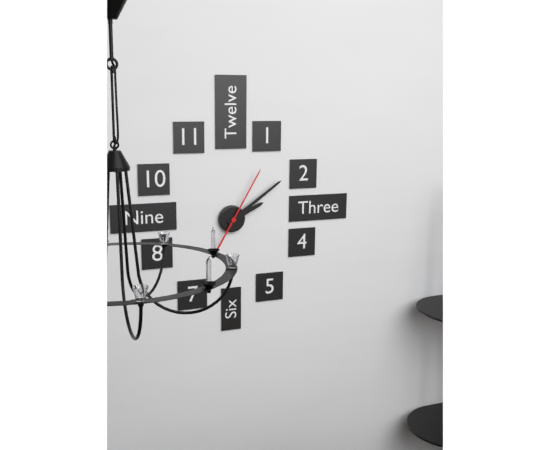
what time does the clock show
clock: 2:09:05
